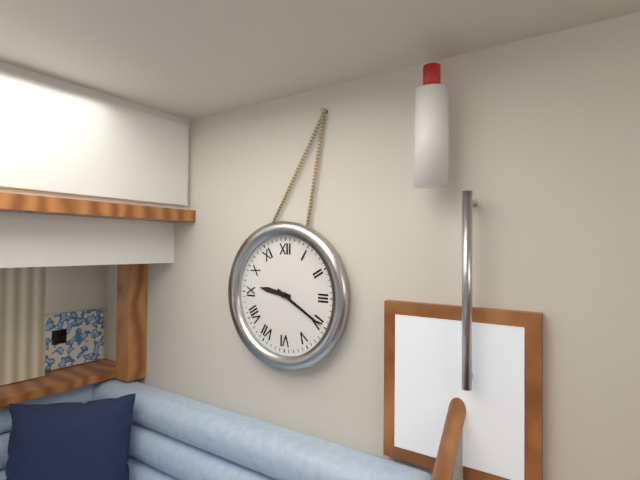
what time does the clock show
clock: 9:20
